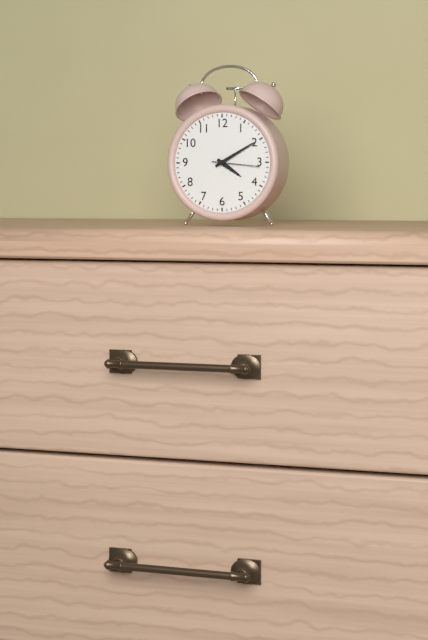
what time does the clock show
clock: 4:10
